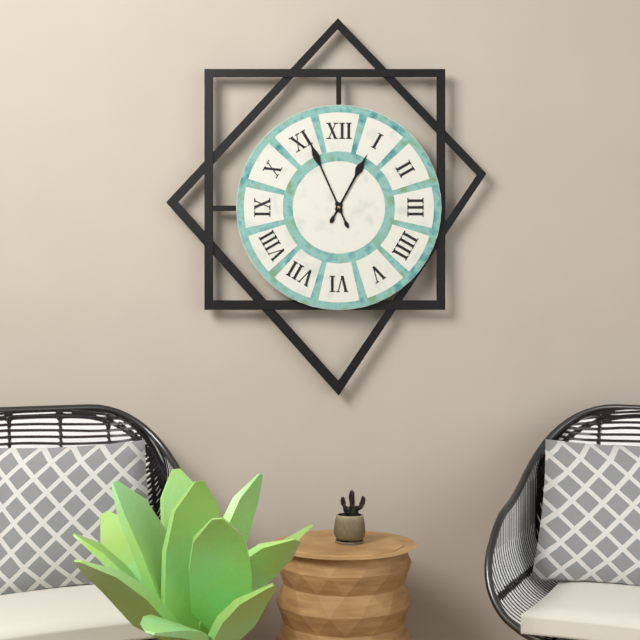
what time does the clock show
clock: 12:56:05
